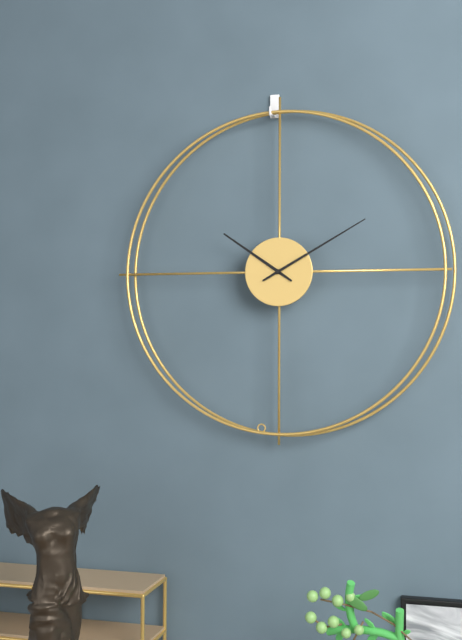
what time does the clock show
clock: 10:10
